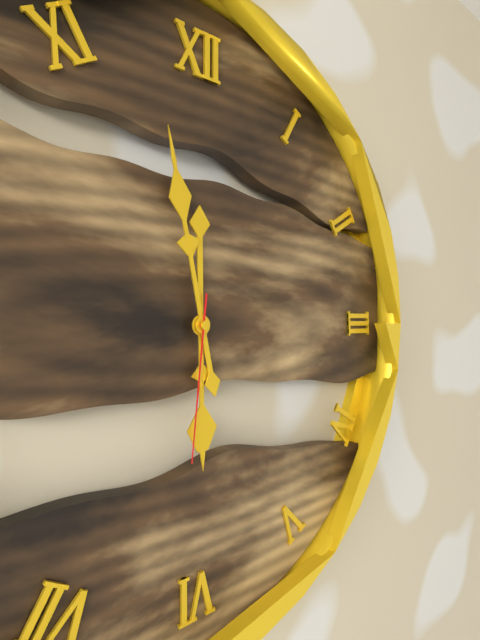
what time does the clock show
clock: 5:58:31
